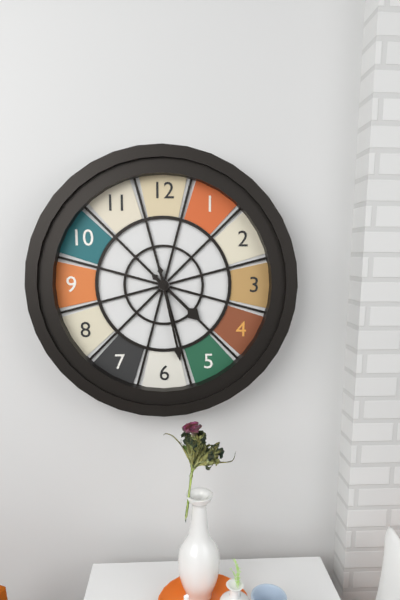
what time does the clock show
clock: 4:28
